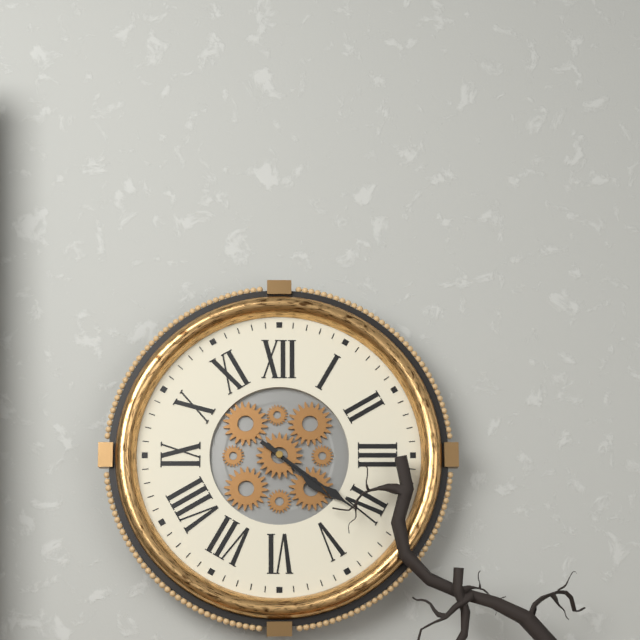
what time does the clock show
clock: 4:21
